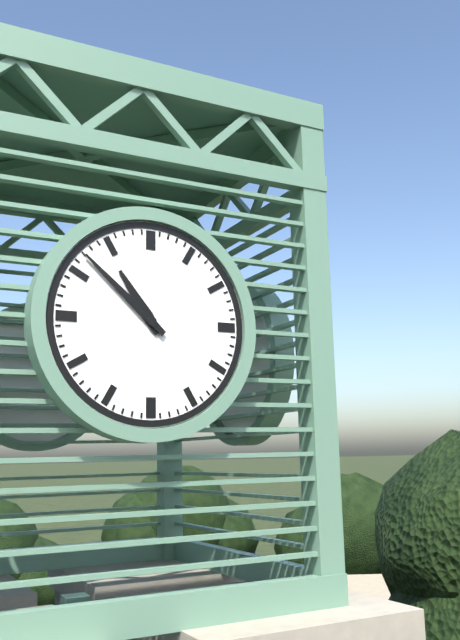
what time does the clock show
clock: 10:52
